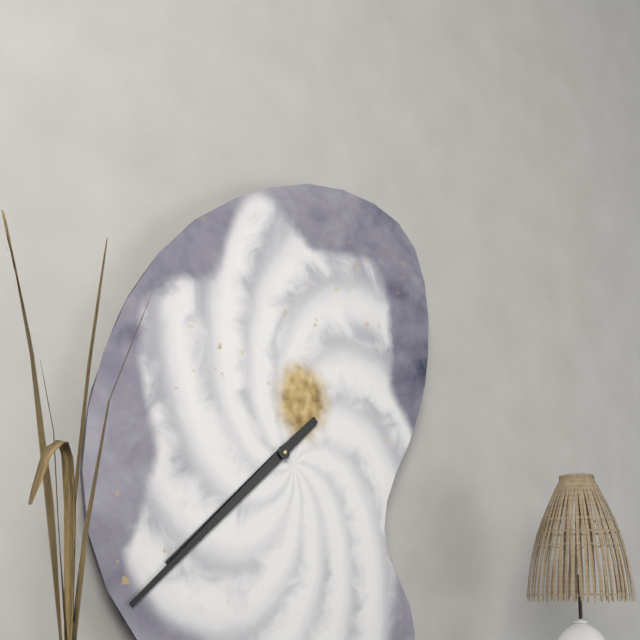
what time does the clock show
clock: 7:38
